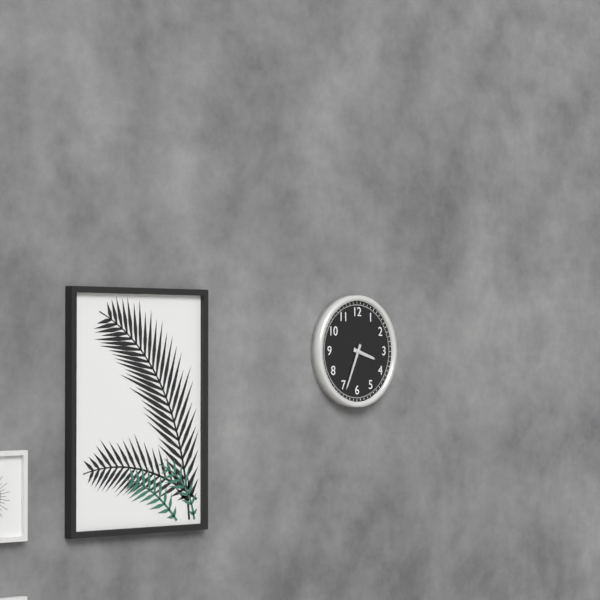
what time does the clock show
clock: 3:34
